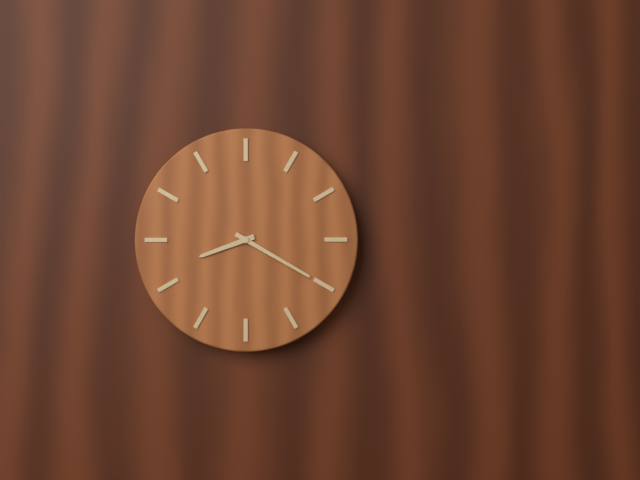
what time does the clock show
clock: 8:20
